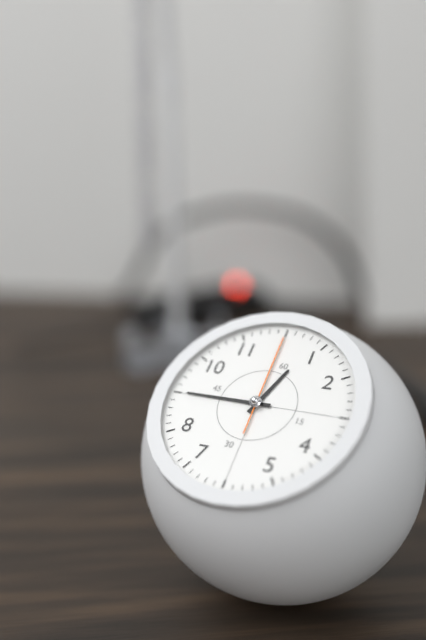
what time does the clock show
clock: 12:45:00
